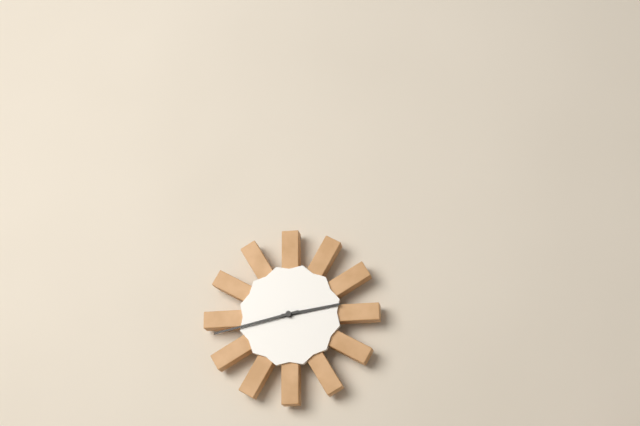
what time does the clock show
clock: 2:43
